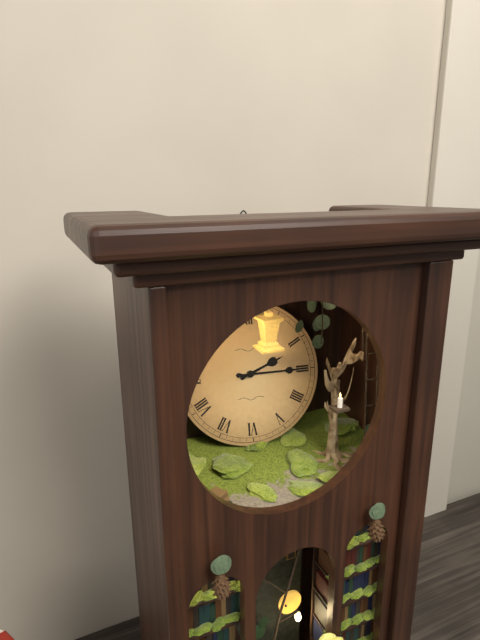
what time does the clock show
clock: 2:15
